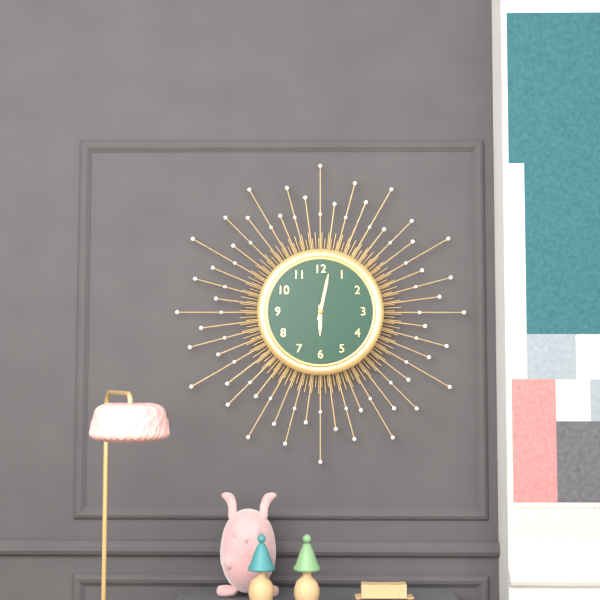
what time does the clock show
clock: 6:02
